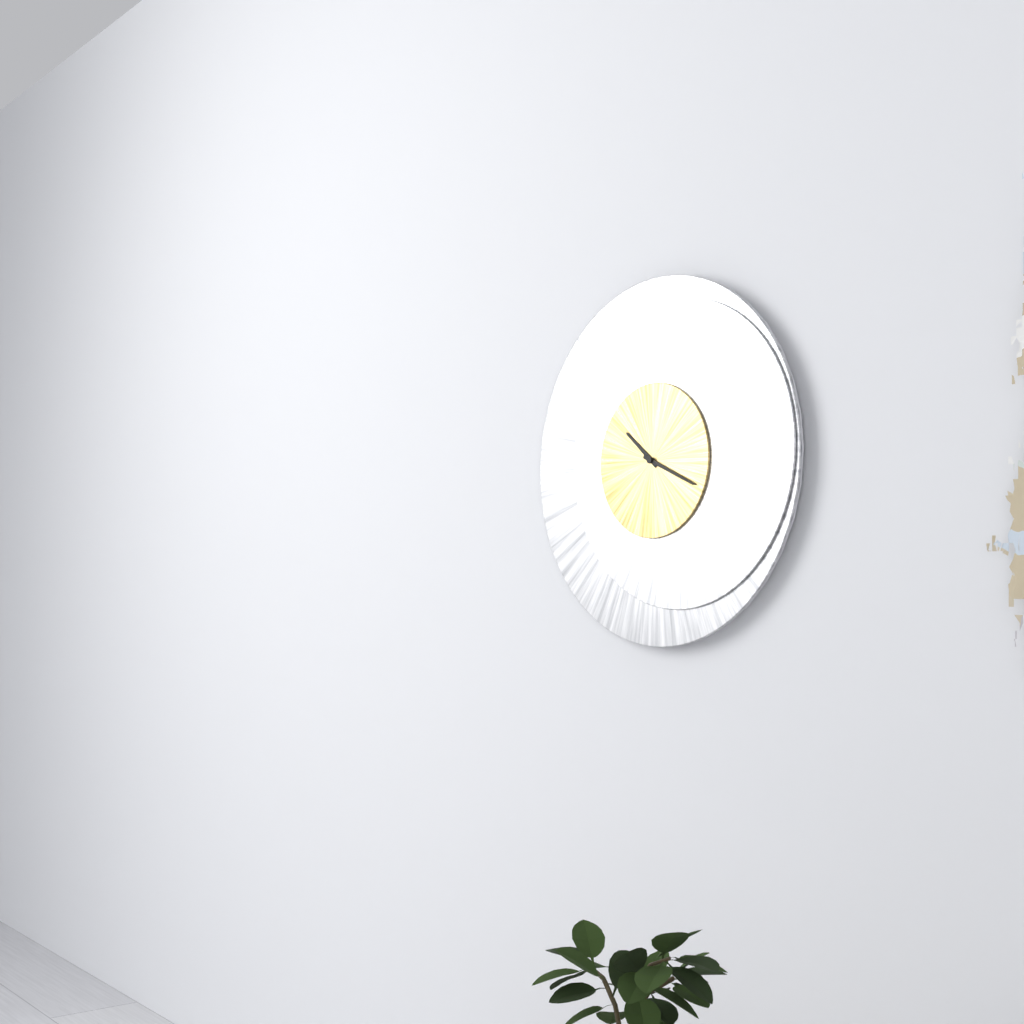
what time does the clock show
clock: 10:19
